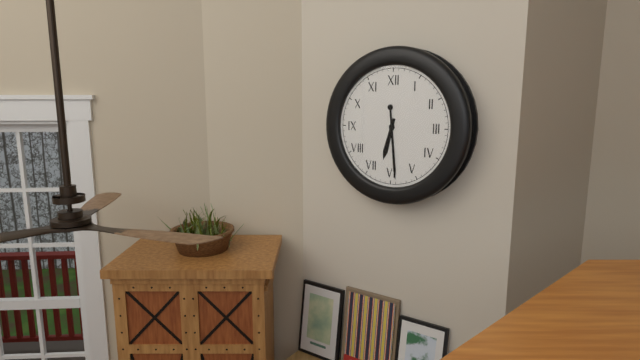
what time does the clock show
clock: 6:29
